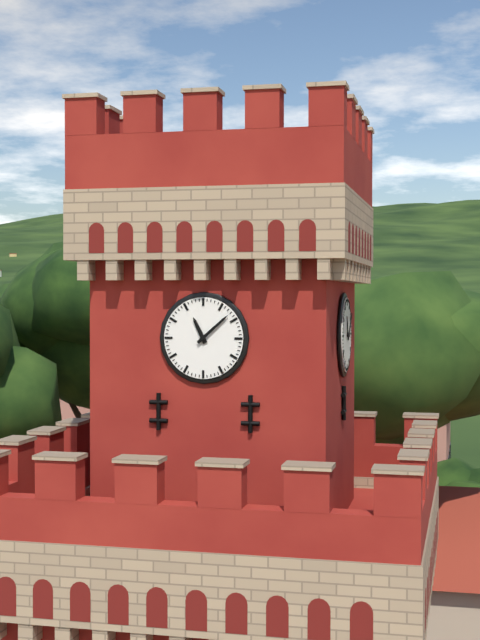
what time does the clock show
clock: 11:08
